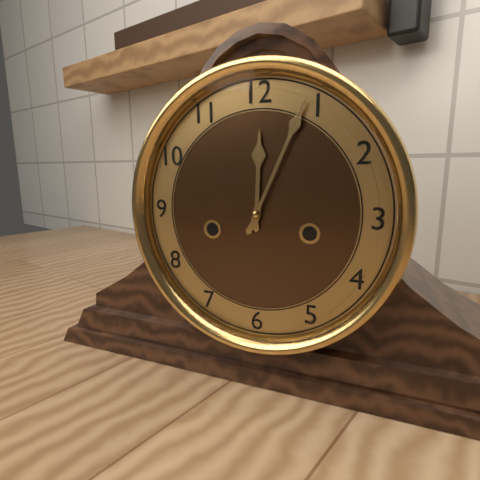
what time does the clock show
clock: 12:04
